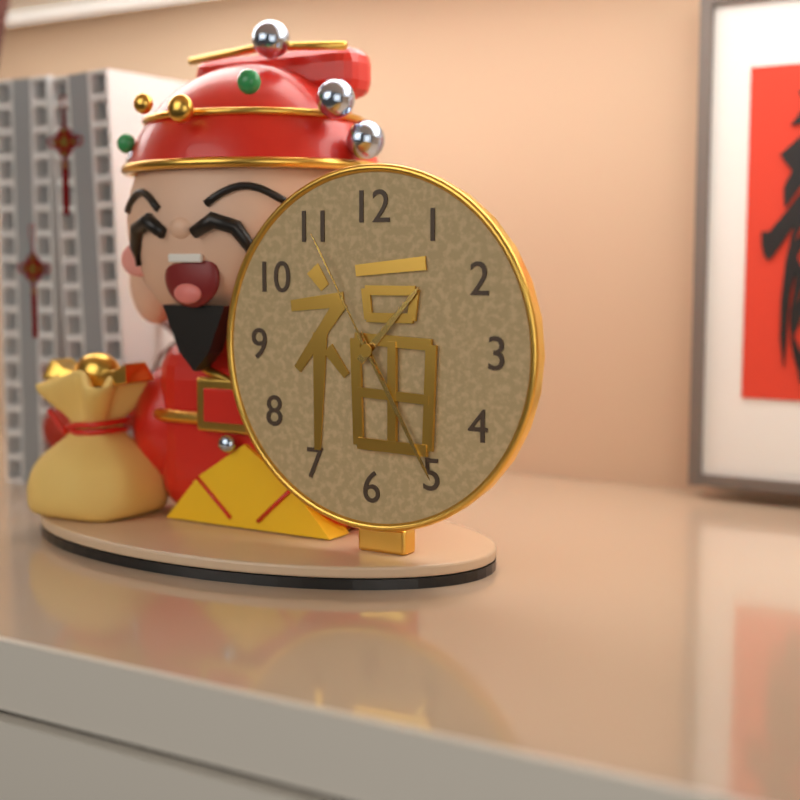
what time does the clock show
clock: 1:25:55
